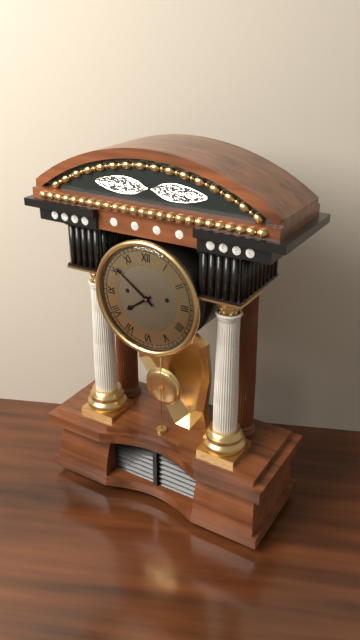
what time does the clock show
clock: 7:51
